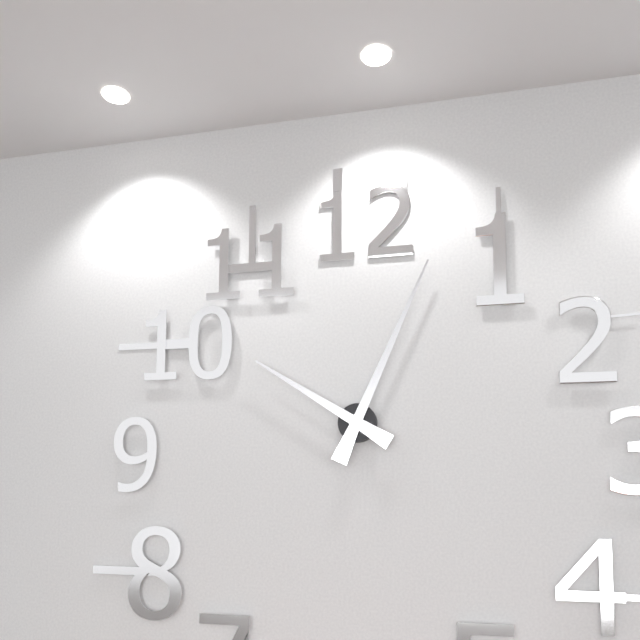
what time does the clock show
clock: 10:04
